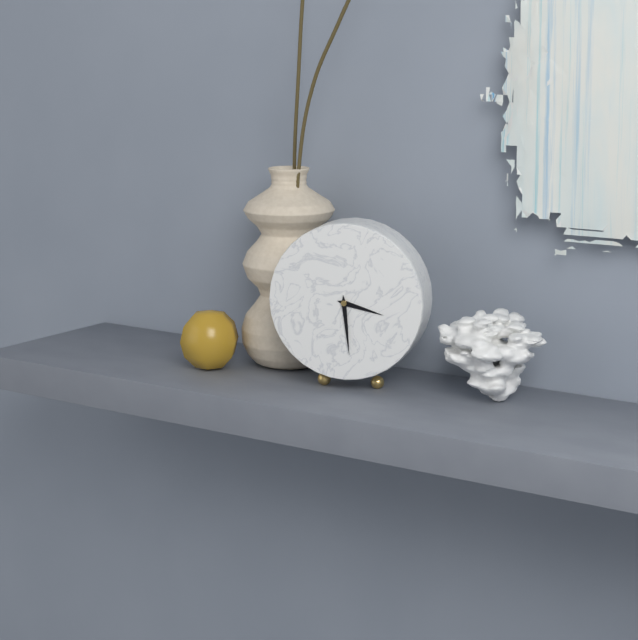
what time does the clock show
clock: 3:29
